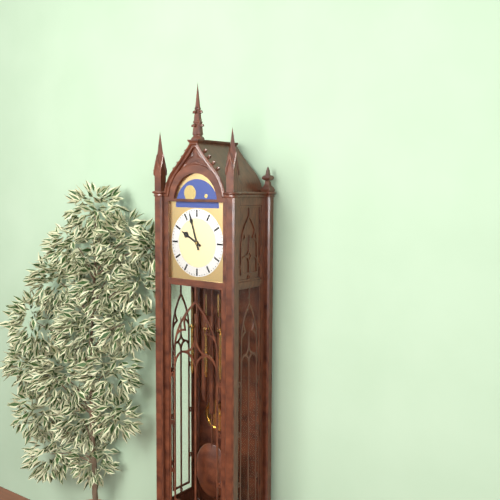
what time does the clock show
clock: 9:57
